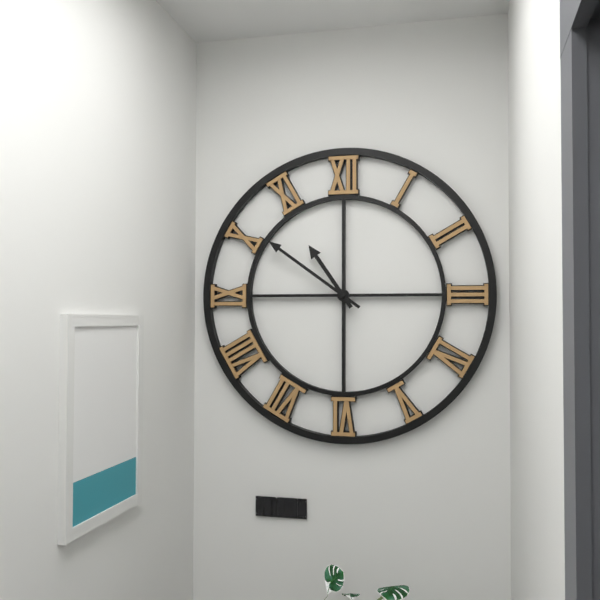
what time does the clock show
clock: 10:51
